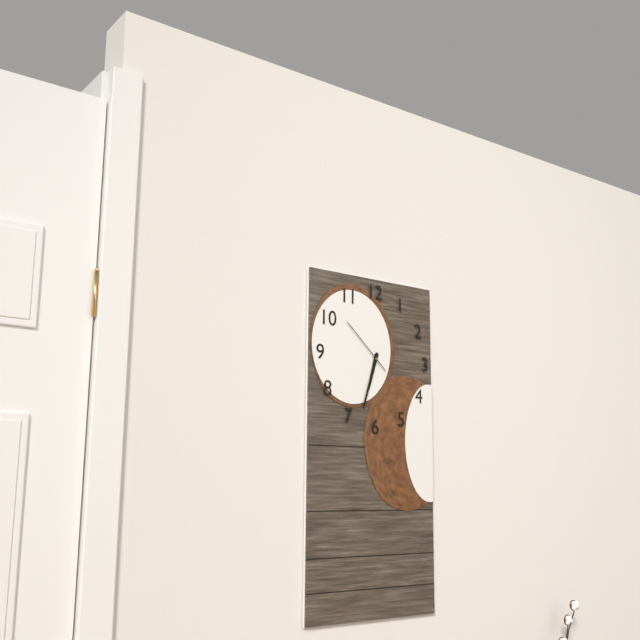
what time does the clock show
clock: 6:33:52
